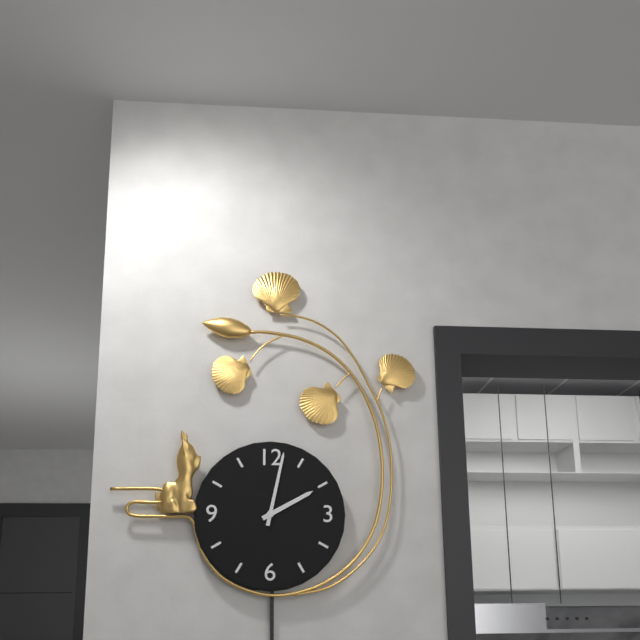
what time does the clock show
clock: 2:02
